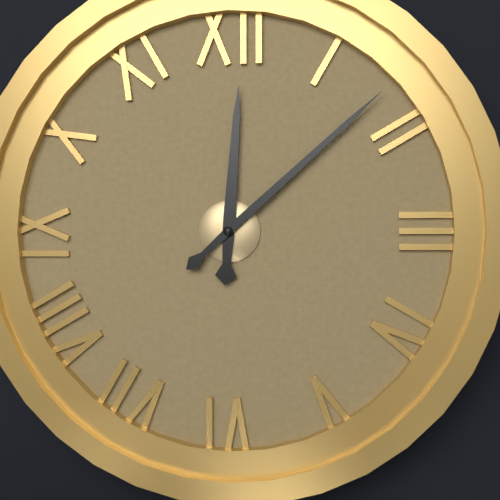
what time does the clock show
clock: 12:08
